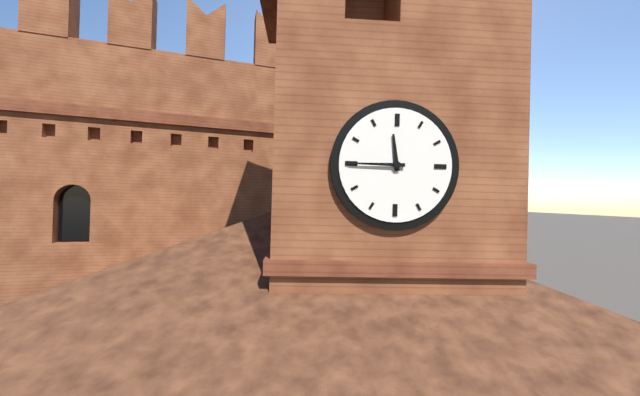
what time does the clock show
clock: 11:45
